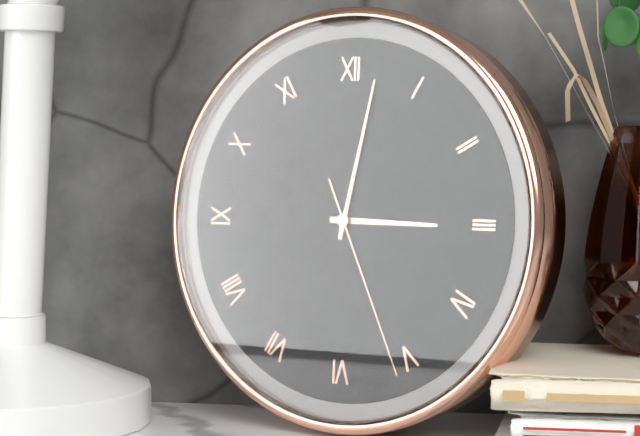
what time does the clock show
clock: 3:02:26
